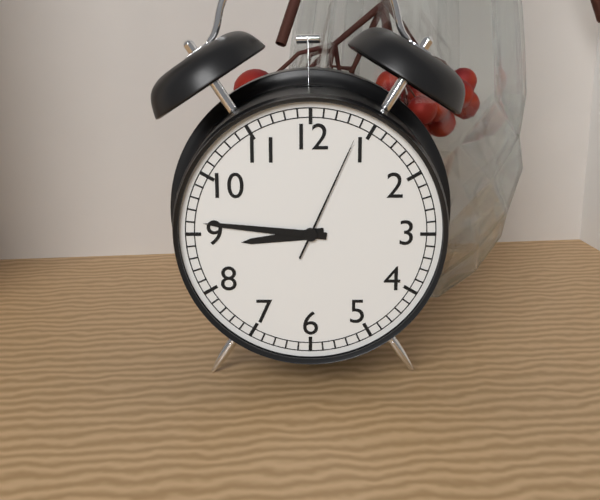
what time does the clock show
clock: 8:46:04
